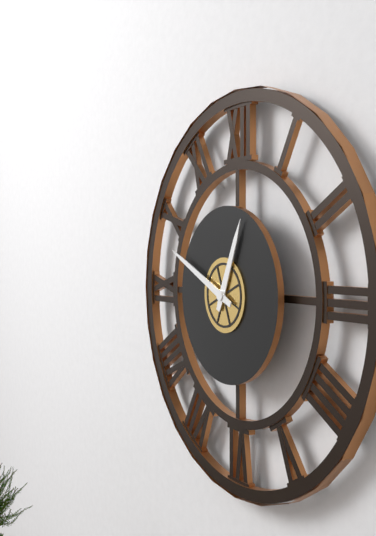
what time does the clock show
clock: 12:49
